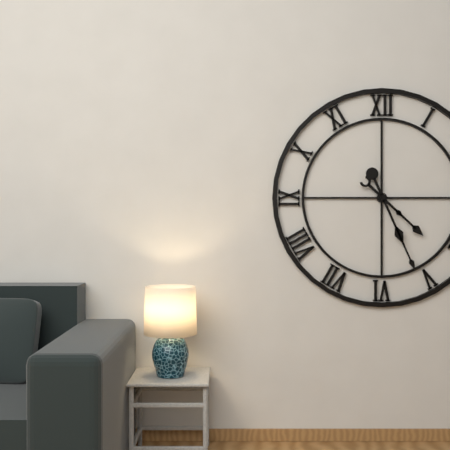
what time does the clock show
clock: 4:26
